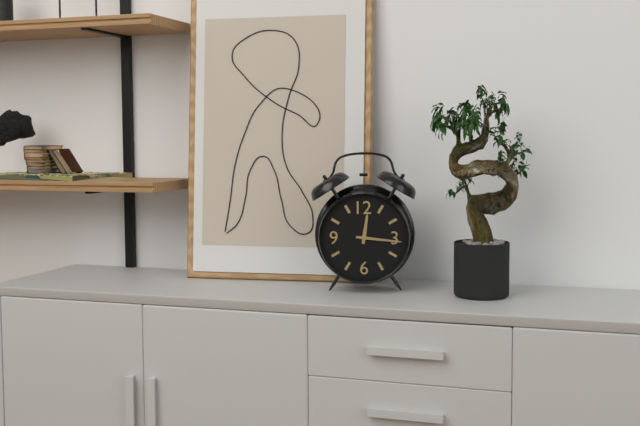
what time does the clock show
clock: 12:16
